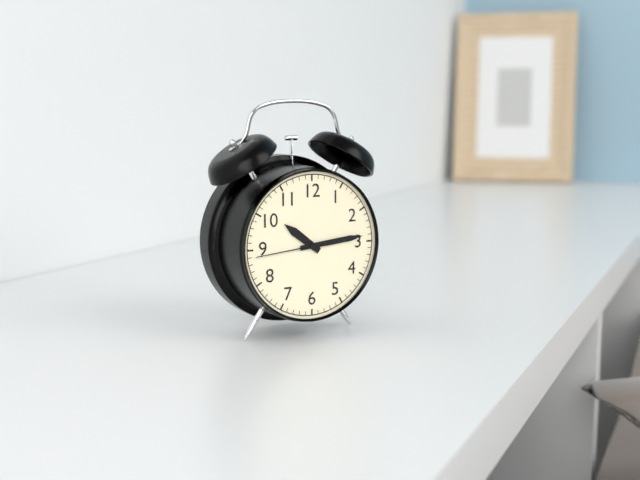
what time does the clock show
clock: 10:14:44
